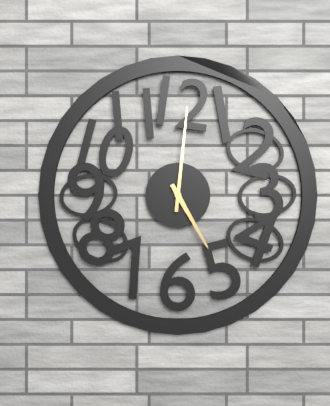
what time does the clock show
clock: 5:01
